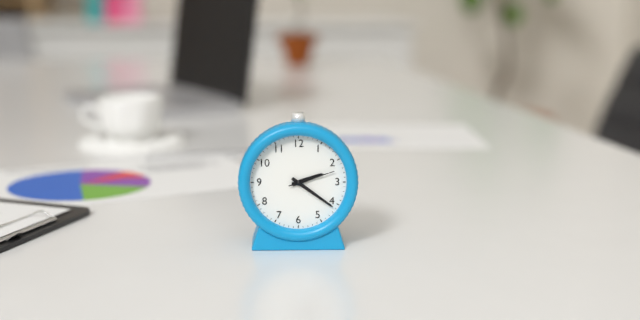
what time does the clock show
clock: 2:21
